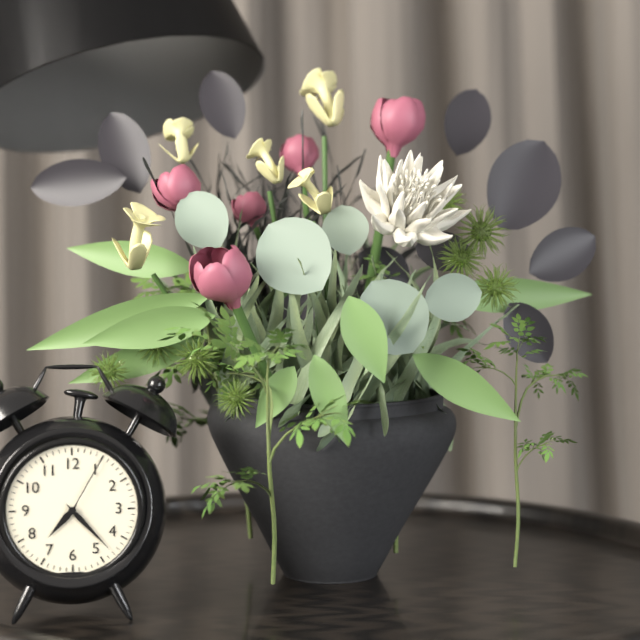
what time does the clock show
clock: 7:23:05
